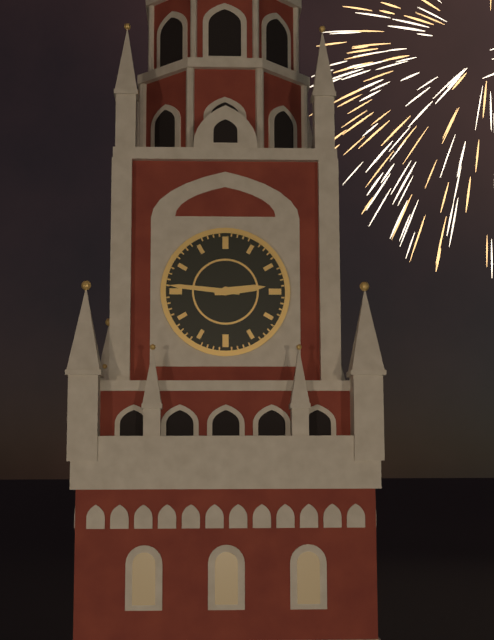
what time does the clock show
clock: 2:46
